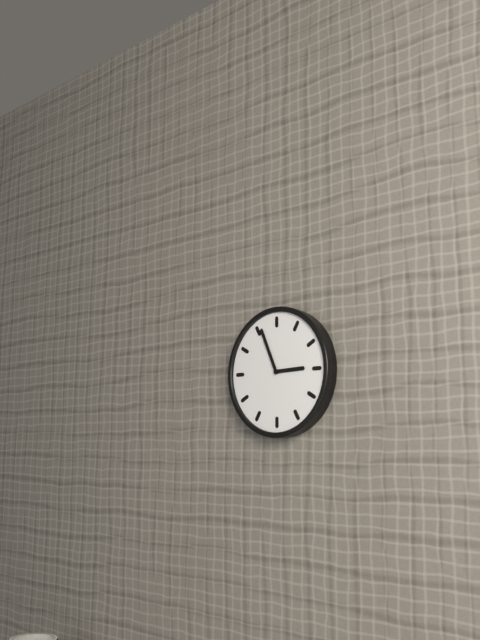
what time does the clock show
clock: 2:56
